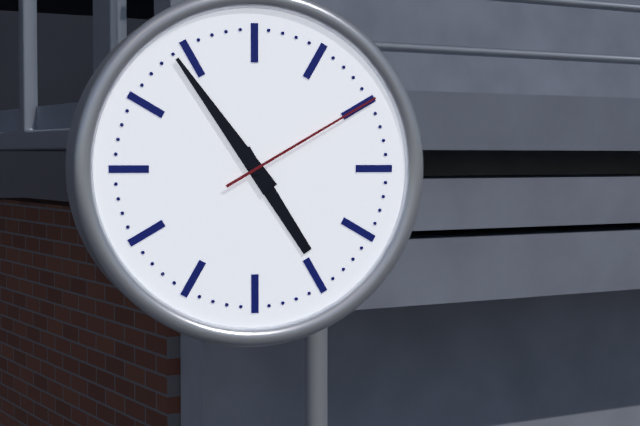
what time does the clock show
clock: 4:54:10
